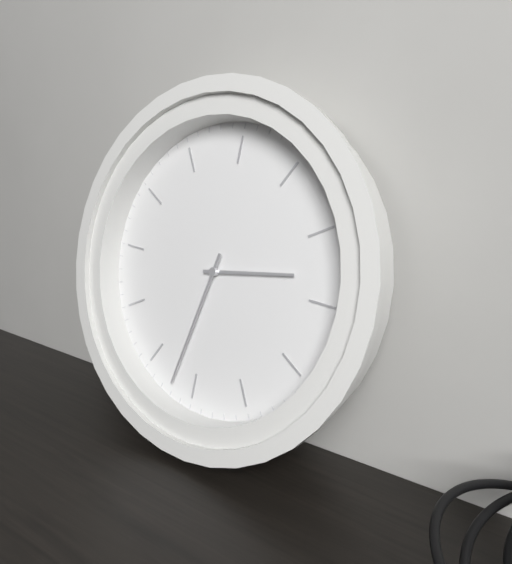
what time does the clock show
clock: 3:37
